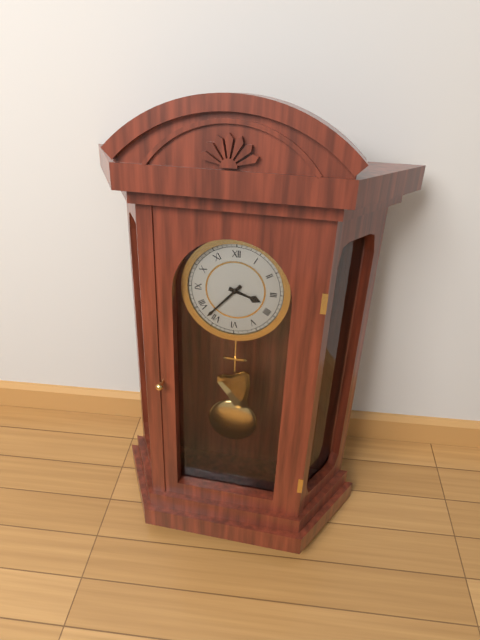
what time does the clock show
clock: 3:37
